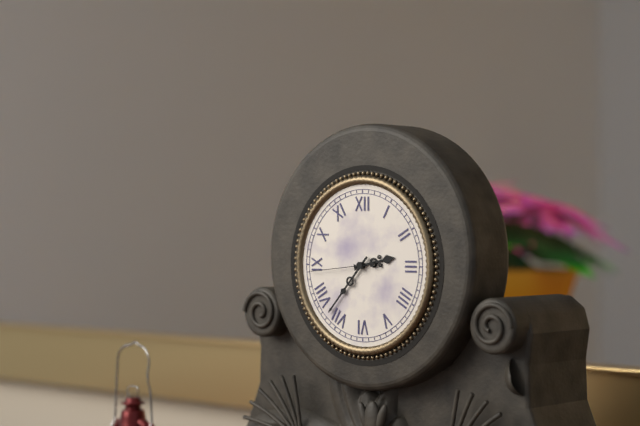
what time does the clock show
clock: 2:37:44
